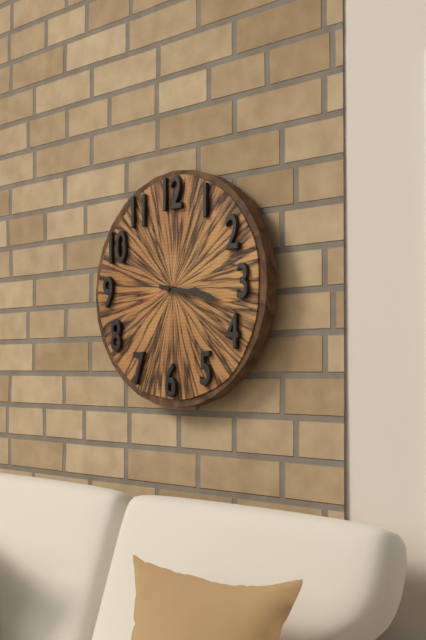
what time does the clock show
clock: 3:17:42
